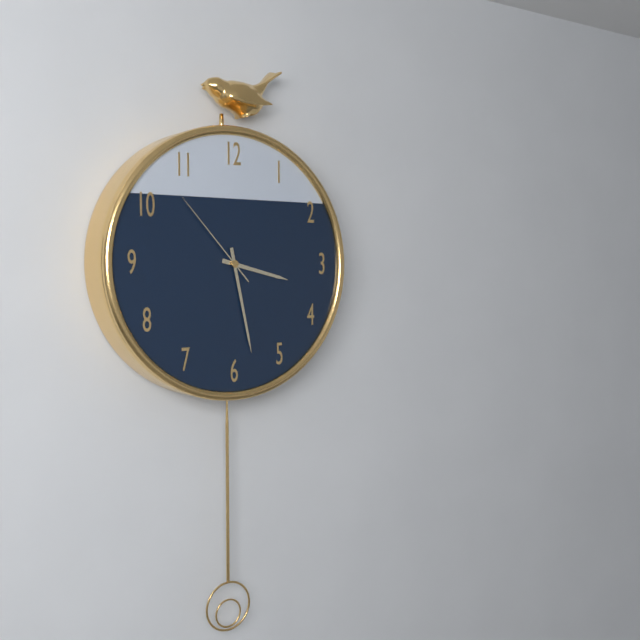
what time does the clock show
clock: 3:28:53
